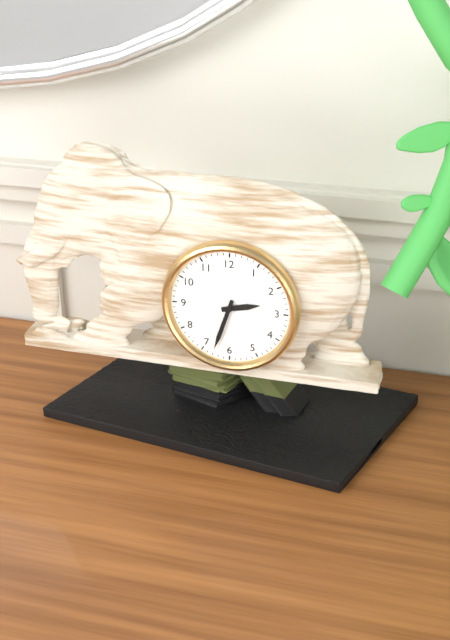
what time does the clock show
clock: 2:33
